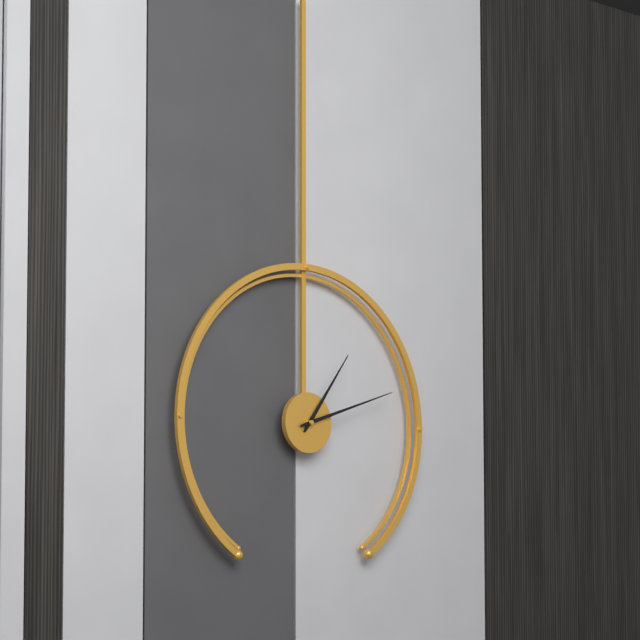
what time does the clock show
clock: 1:12
